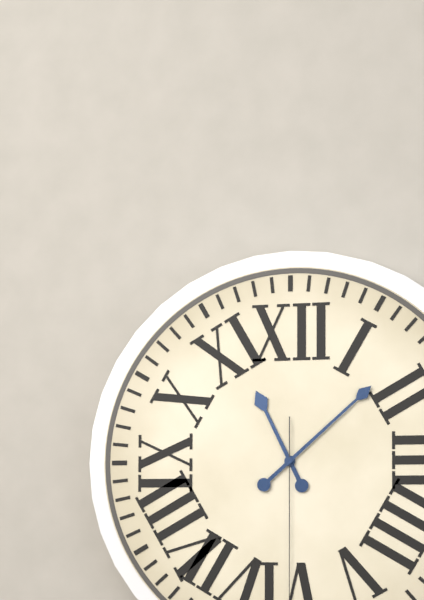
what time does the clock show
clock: 11:08
